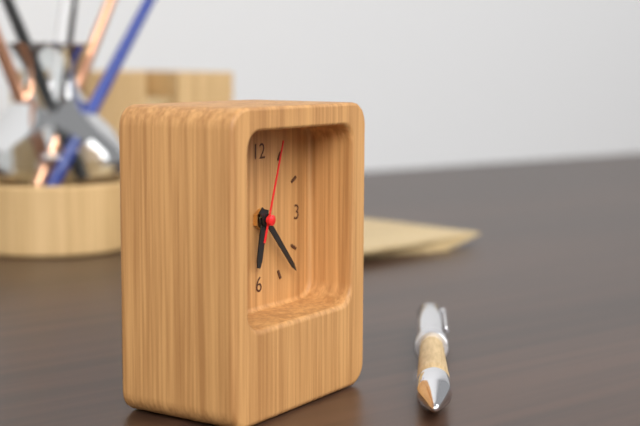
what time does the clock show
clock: 6:23:03
